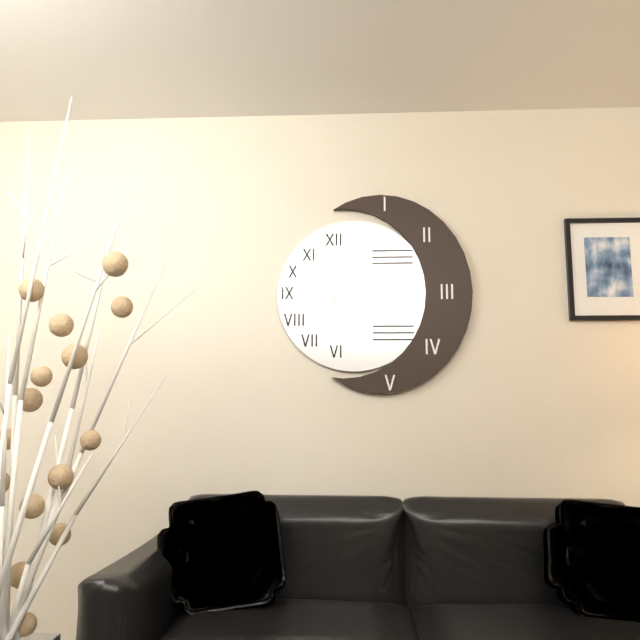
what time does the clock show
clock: 12:57:59
